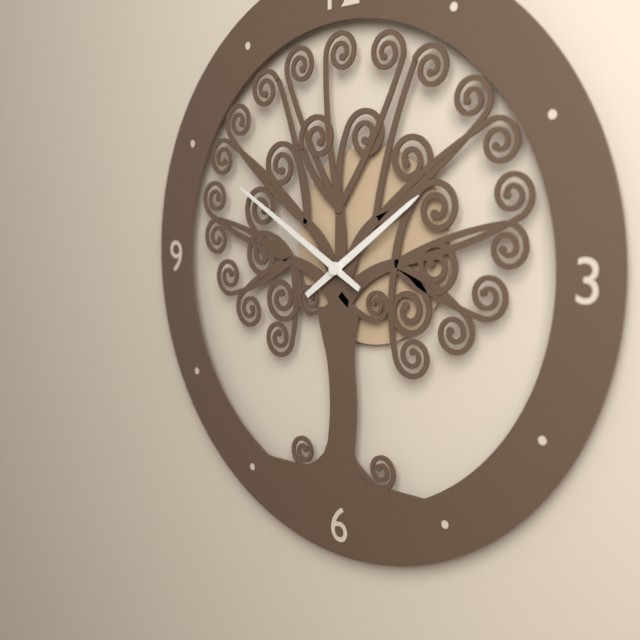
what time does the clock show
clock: 1:50
